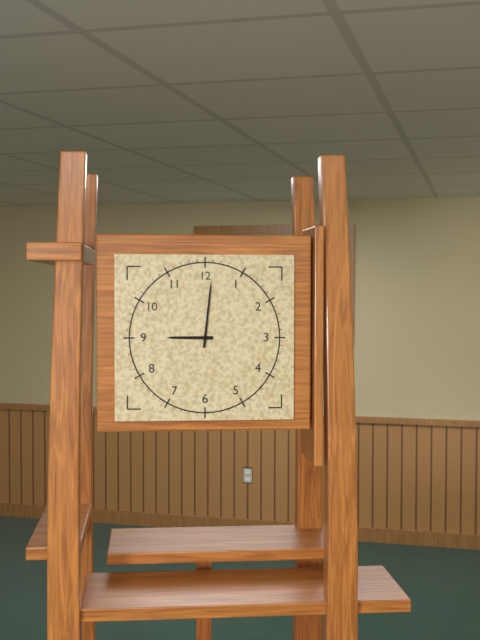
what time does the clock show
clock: 9:01
